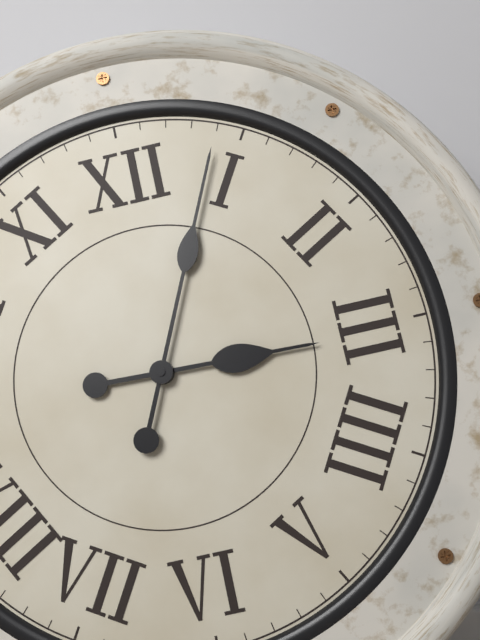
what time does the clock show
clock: 3:04
